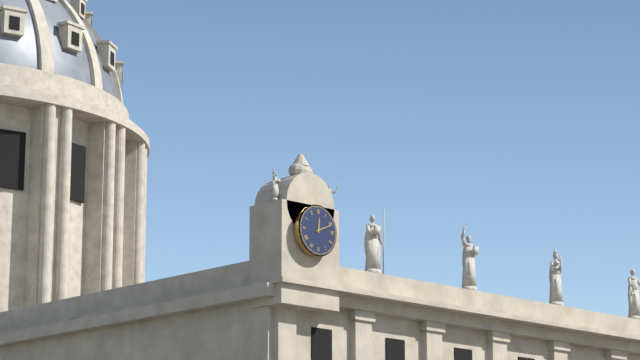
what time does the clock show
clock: 12:11
